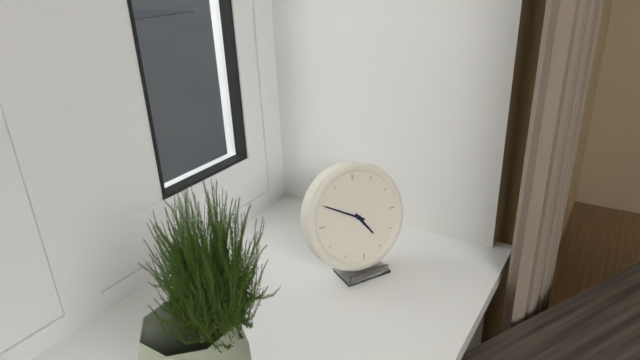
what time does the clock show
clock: 4:50
